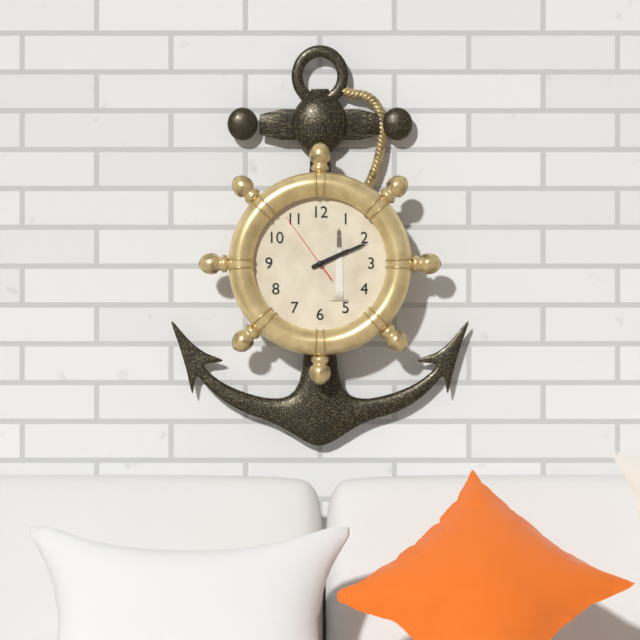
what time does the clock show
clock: 2:11:54
